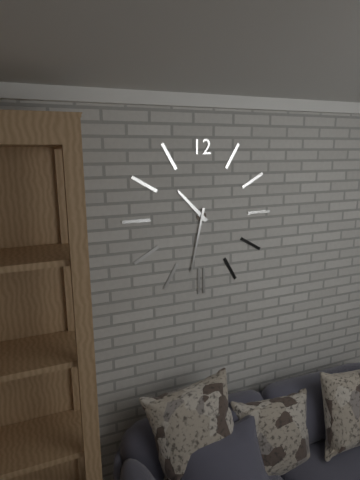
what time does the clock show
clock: 10:32
